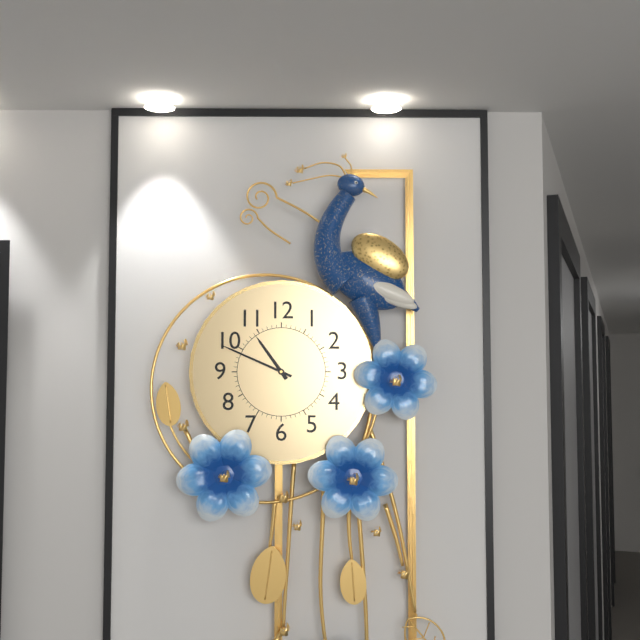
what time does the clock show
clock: 10:49
